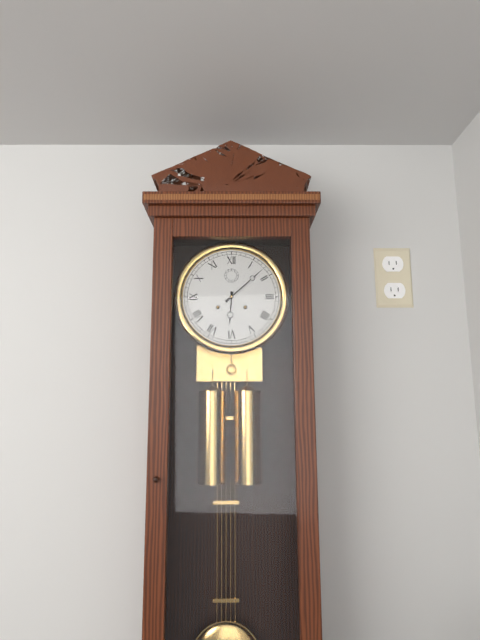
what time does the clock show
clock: 6:08
